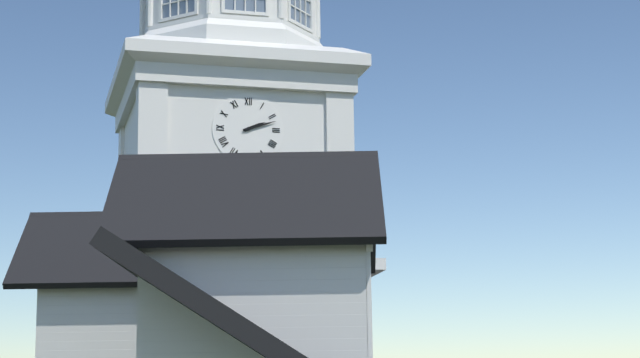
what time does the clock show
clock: 2:12
